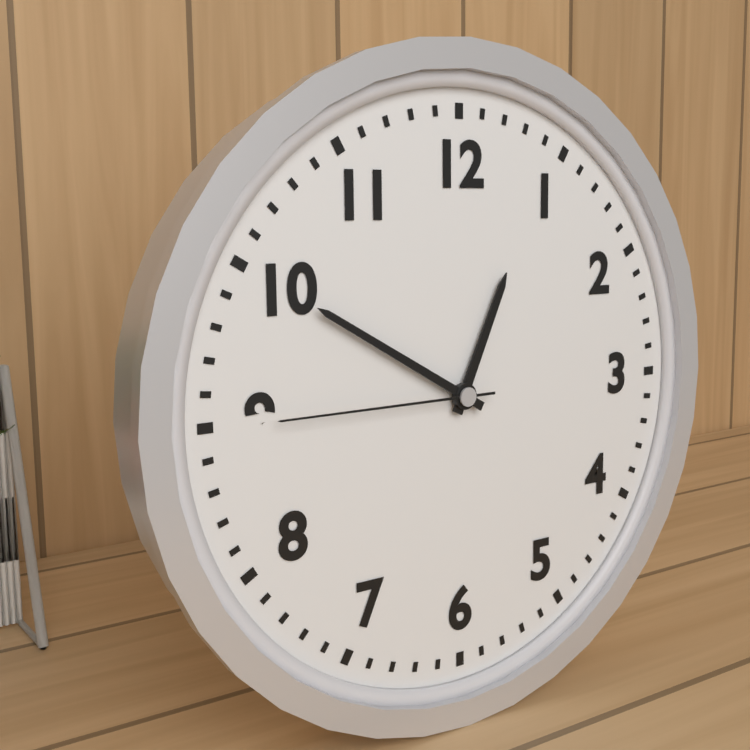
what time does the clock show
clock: 12:50:45
